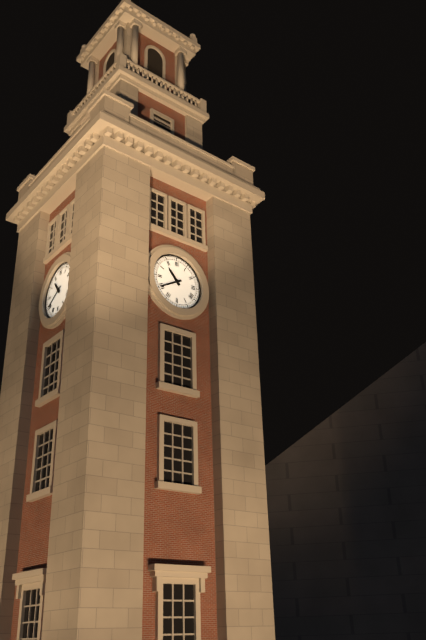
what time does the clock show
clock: 10:40
